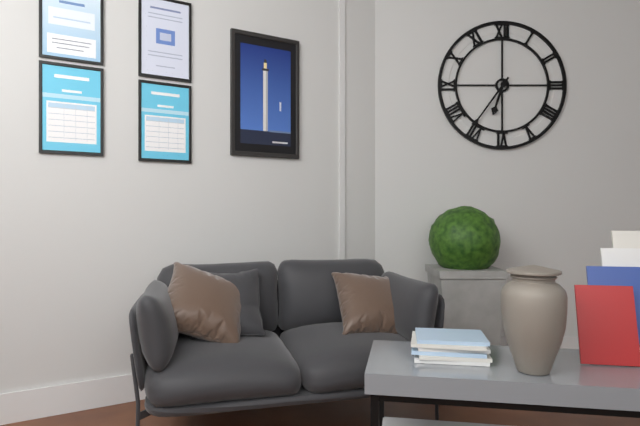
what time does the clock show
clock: 6:36
